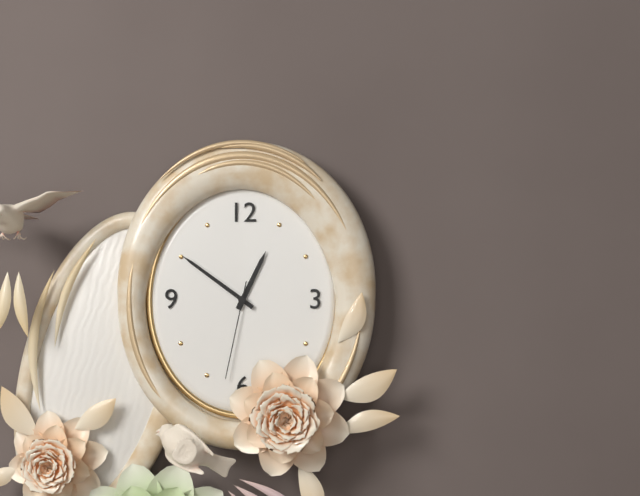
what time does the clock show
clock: 12:51:32
